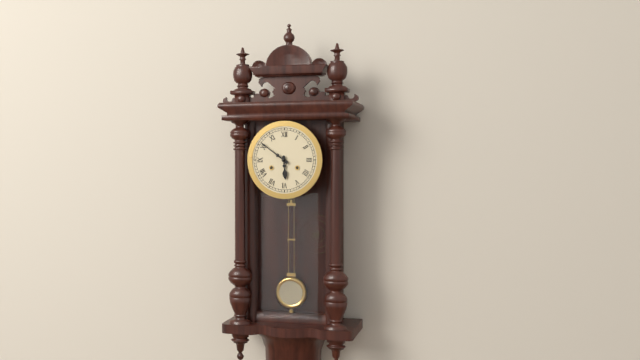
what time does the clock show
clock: 5:51
